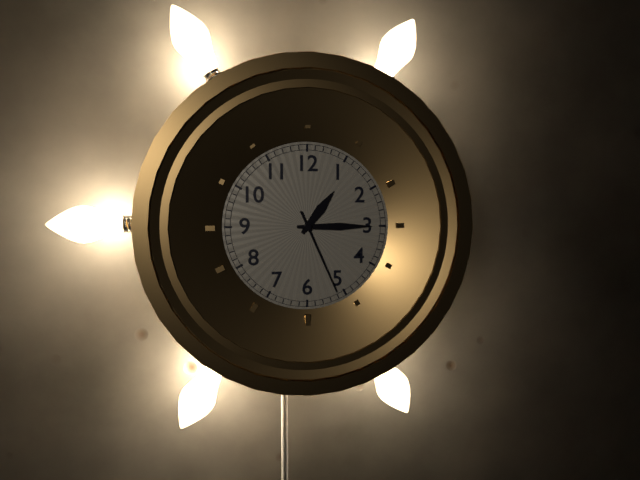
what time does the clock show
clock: 1:15:26
